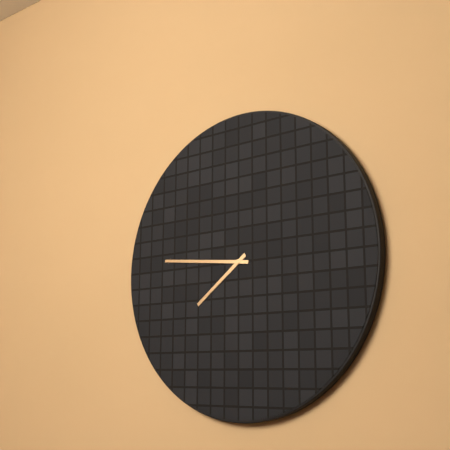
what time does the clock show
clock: 7:46
